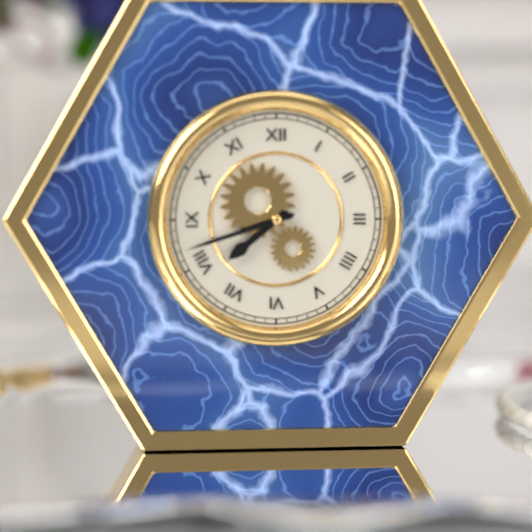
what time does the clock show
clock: 7:42
